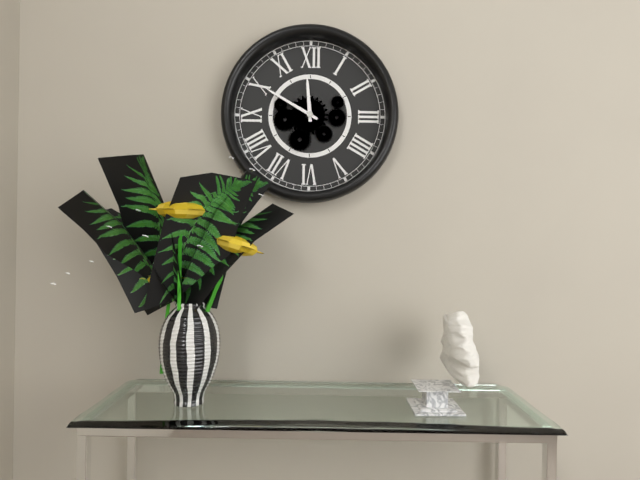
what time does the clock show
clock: 11:50
